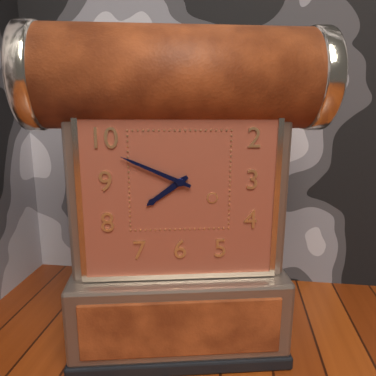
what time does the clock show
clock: 7:49
